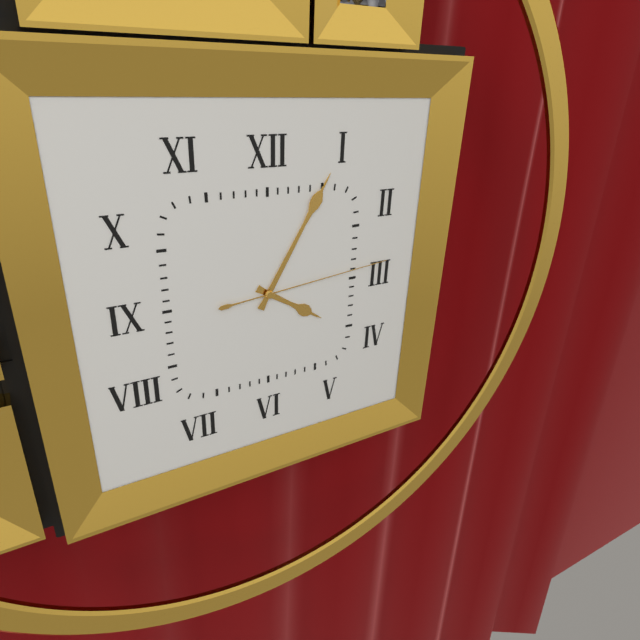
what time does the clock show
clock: 4:05:14
